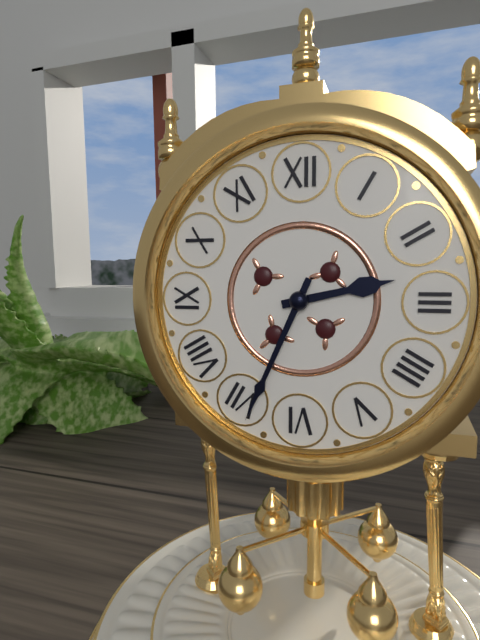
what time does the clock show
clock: 2:34
